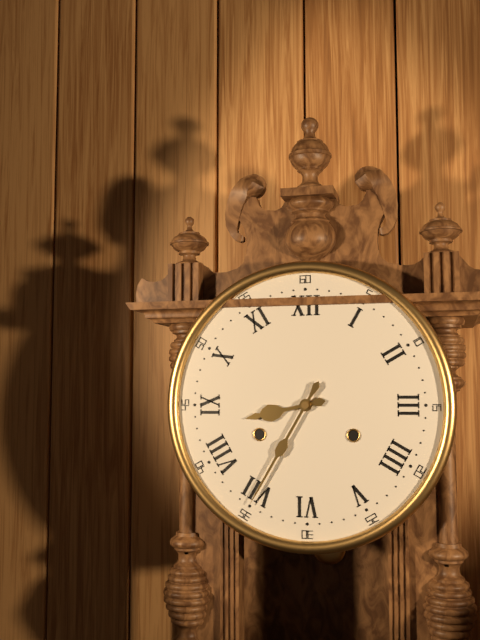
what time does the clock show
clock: 8:35
